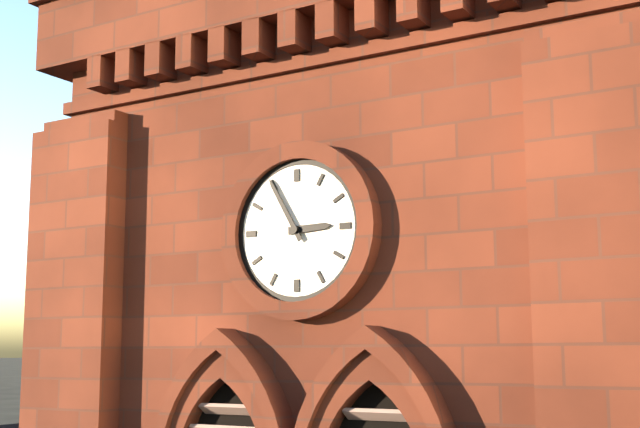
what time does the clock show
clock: 2:55
